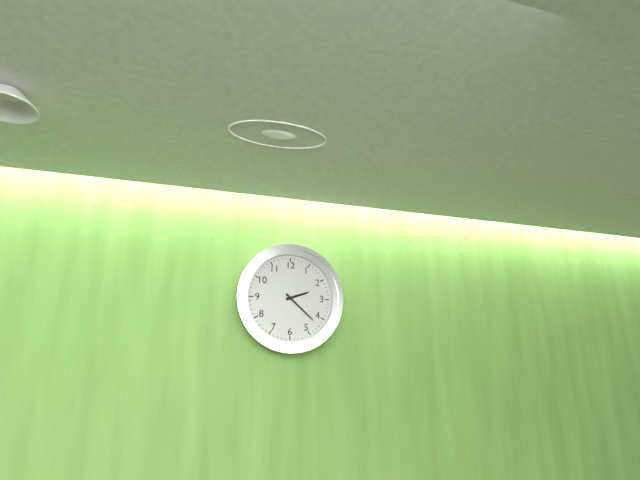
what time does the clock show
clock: 2:22
